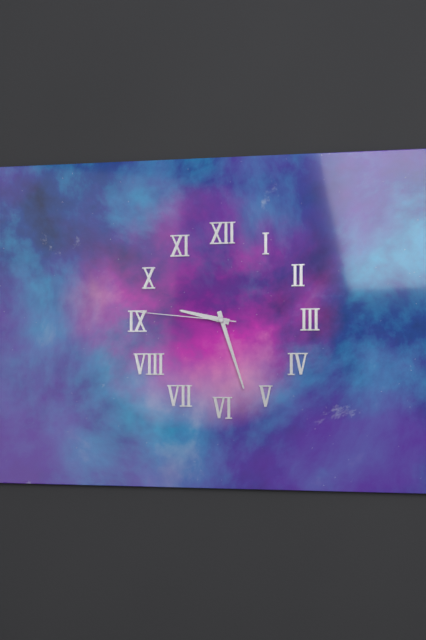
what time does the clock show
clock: 9:27:46
